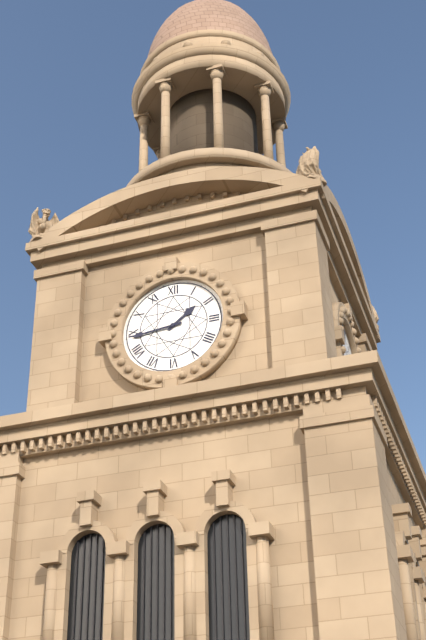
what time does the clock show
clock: 1:44
